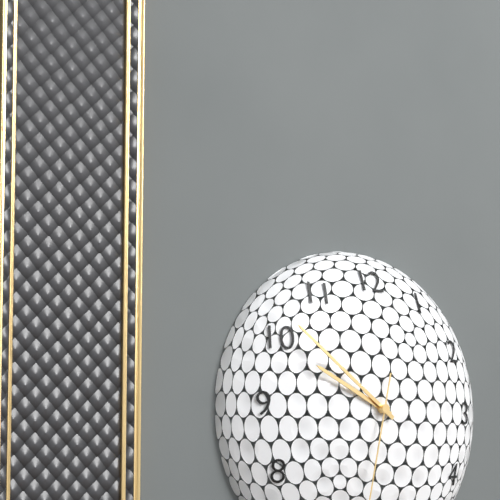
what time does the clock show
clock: 9:51
